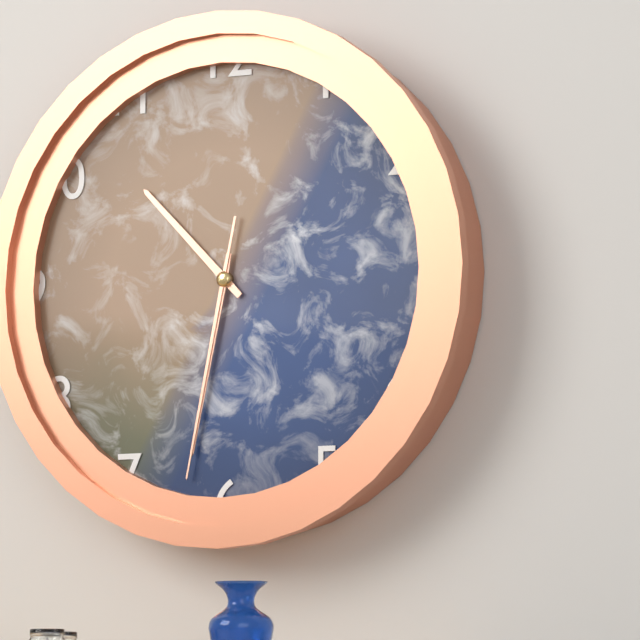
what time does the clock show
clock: 10:32:32
